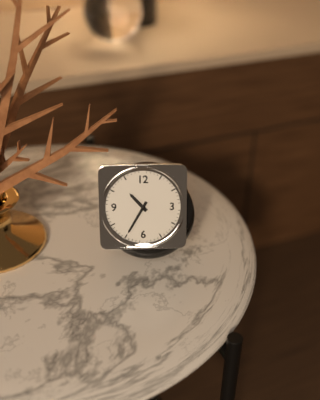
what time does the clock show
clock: 10:35
